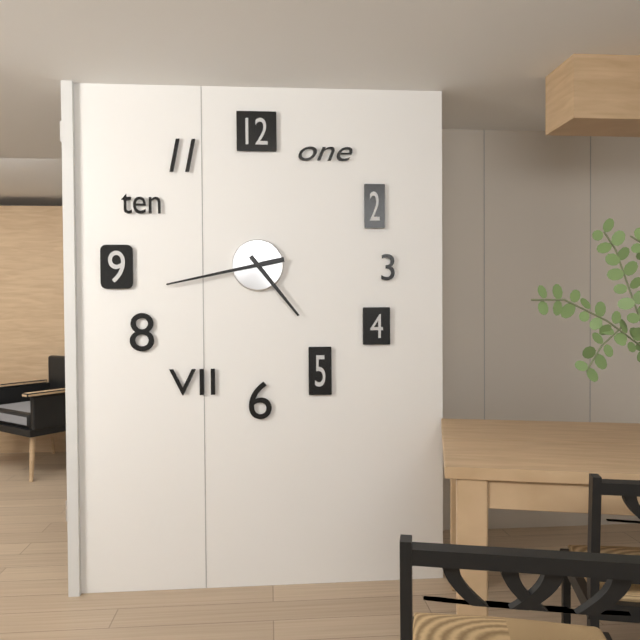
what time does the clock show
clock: 4:43
